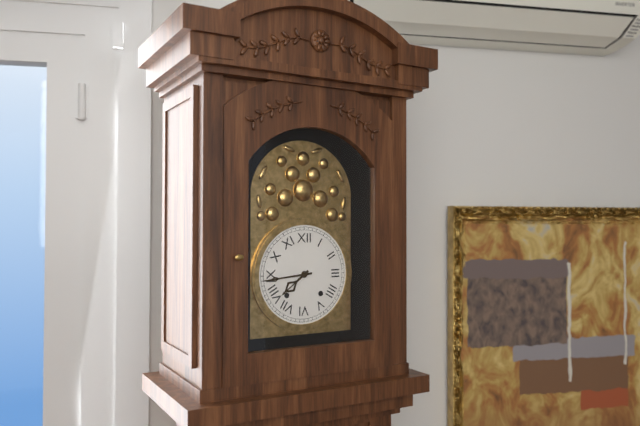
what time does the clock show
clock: 7:44
